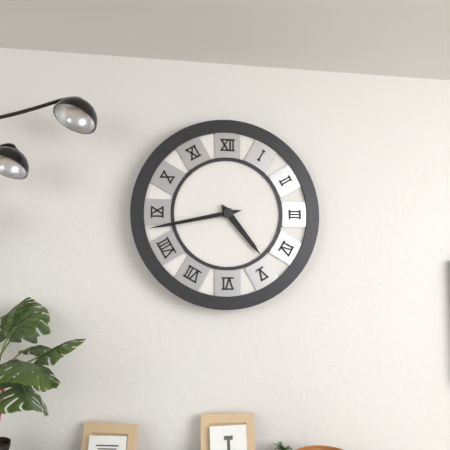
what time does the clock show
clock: 4:43
